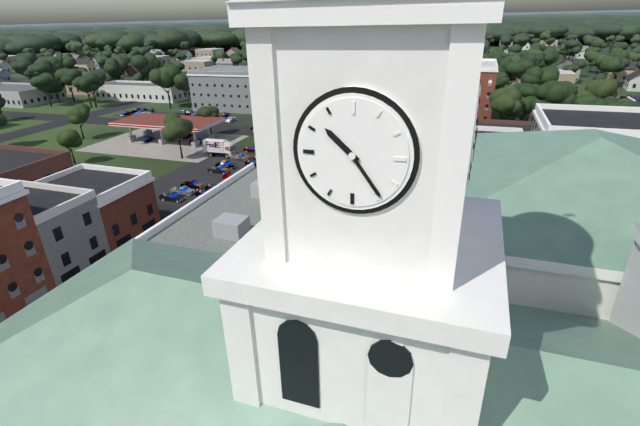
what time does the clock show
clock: 10:24
